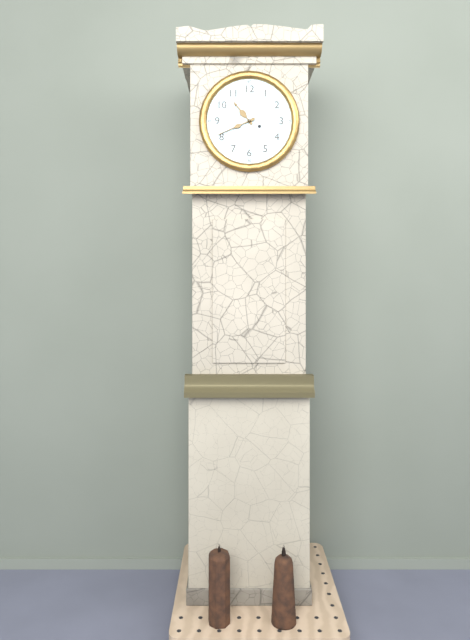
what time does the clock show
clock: 10:41
